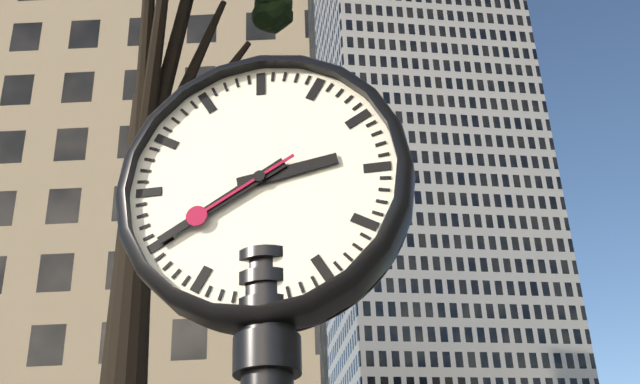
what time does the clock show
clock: 2:40:40
